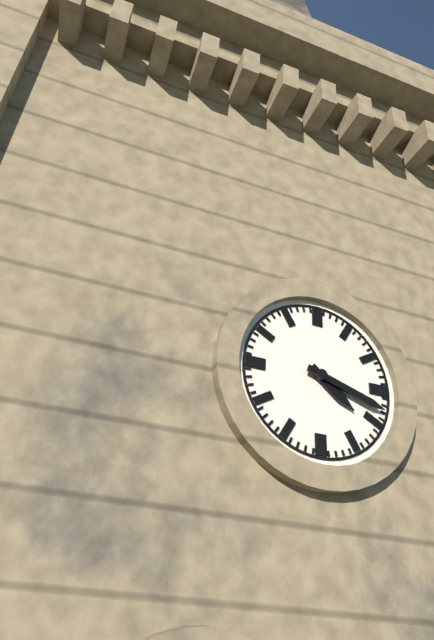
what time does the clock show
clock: 4:18
